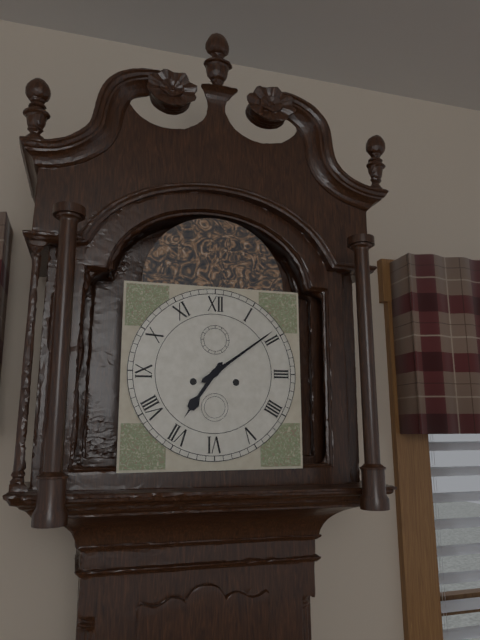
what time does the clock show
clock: 7:09
